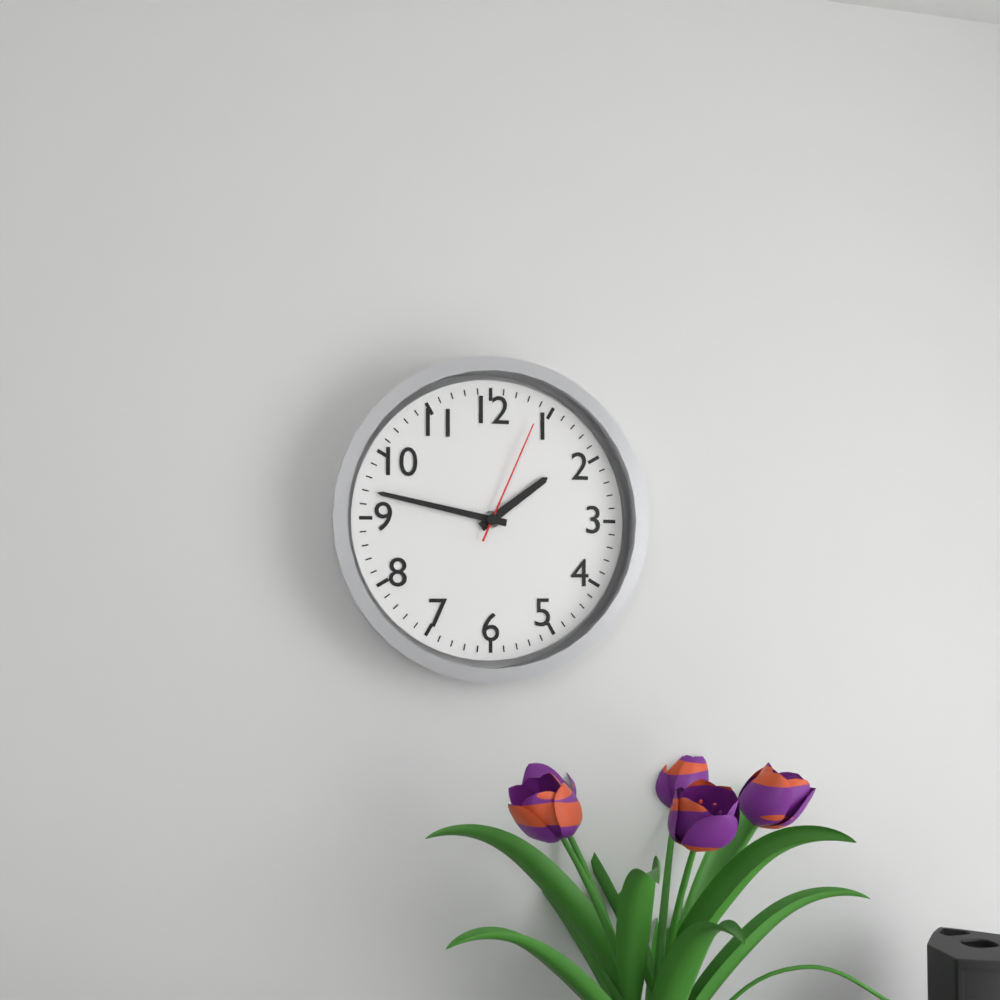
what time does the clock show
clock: 1:47:04
